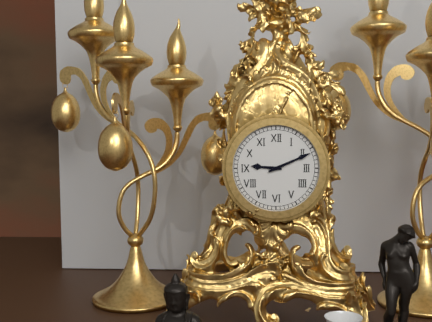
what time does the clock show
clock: 9:11
